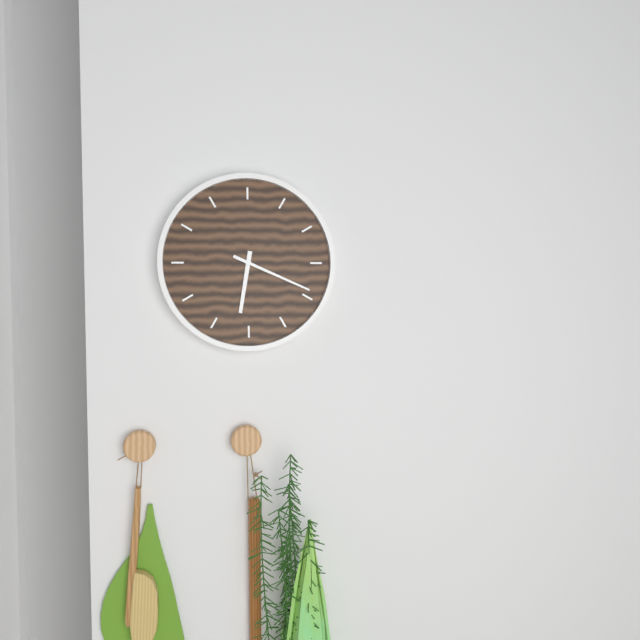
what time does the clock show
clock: 6:19
